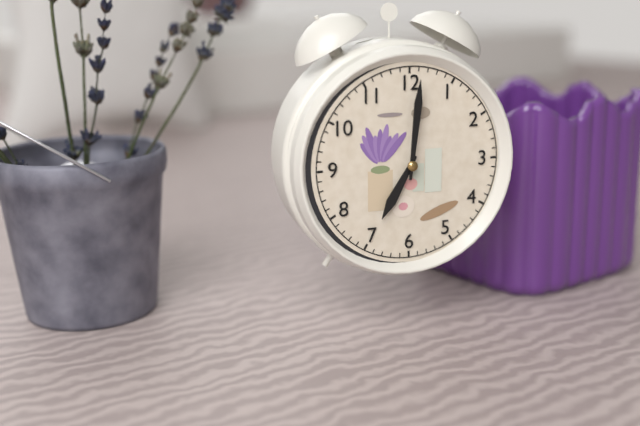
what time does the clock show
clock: 7:01
